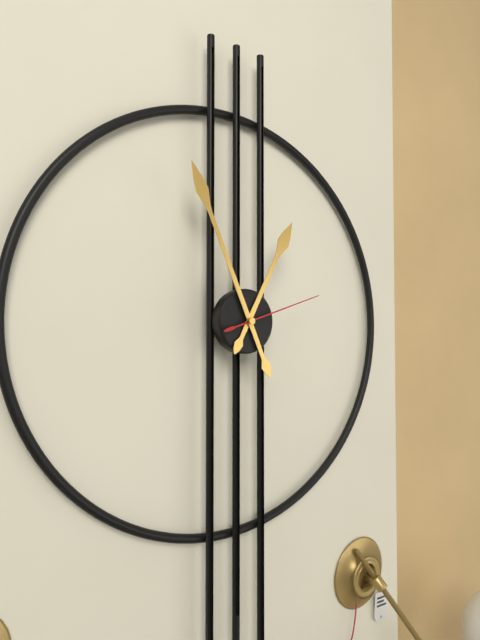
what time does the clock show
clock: 12:56:12
